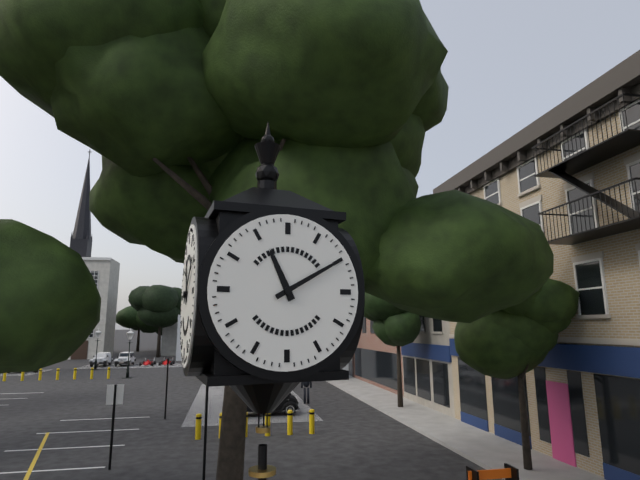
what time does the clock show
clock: 11:10
